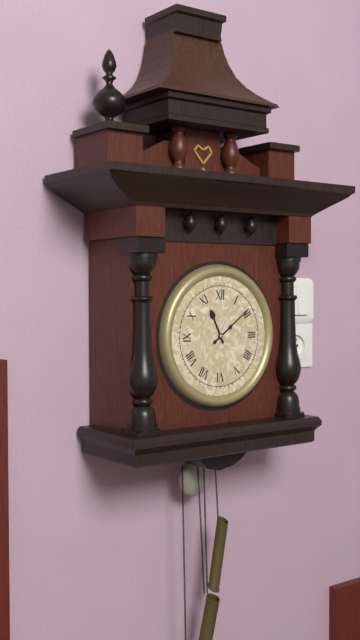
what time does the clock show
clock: 11:09
